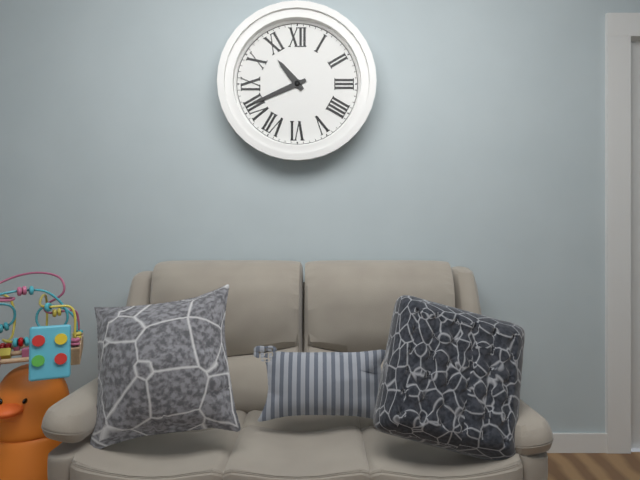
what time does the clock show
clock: 10:41
